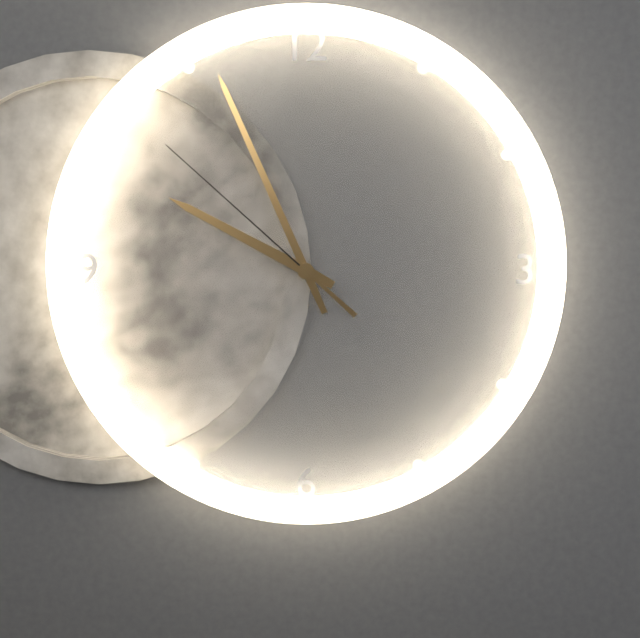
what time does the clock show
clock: 9:56:52
